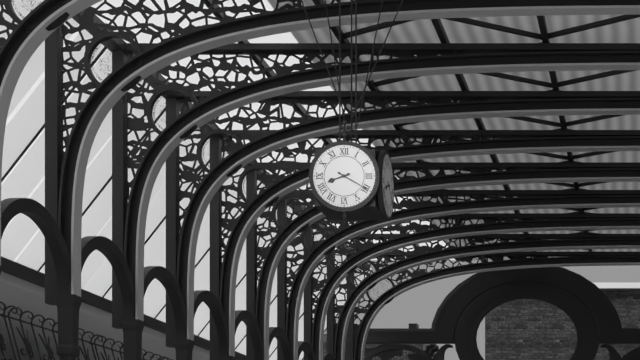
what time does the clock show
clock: 8:20
